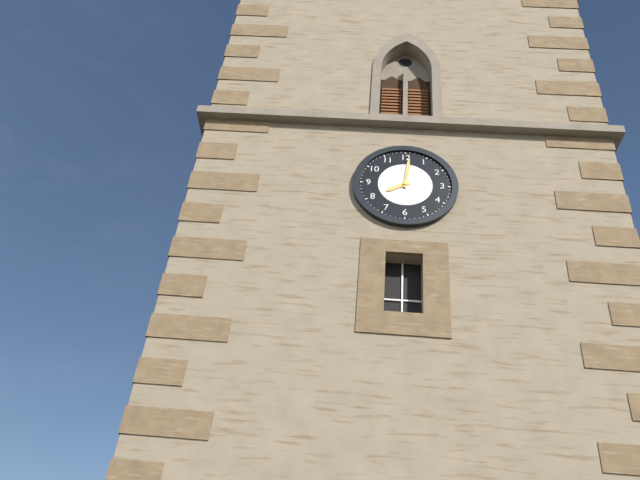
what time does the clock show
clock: 8:01
